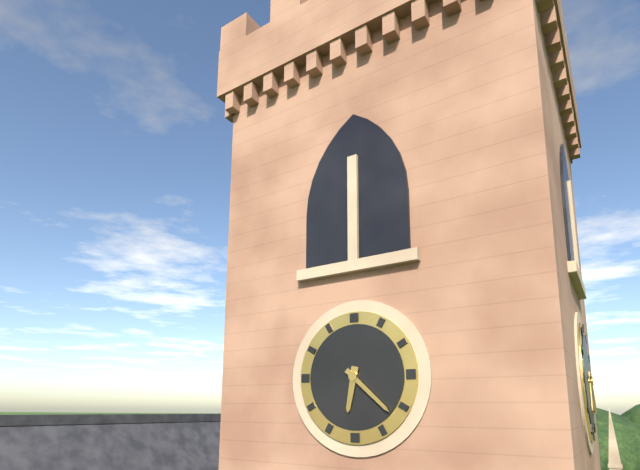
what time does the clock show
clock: 6:22
